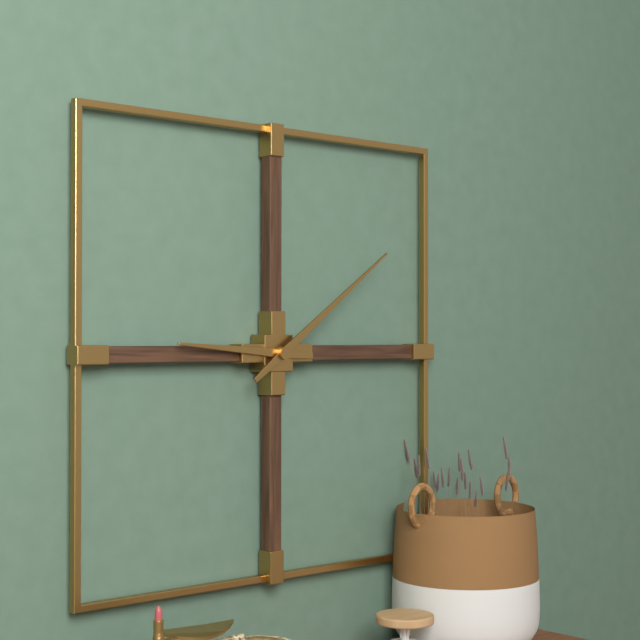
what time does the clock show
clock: 9:09
